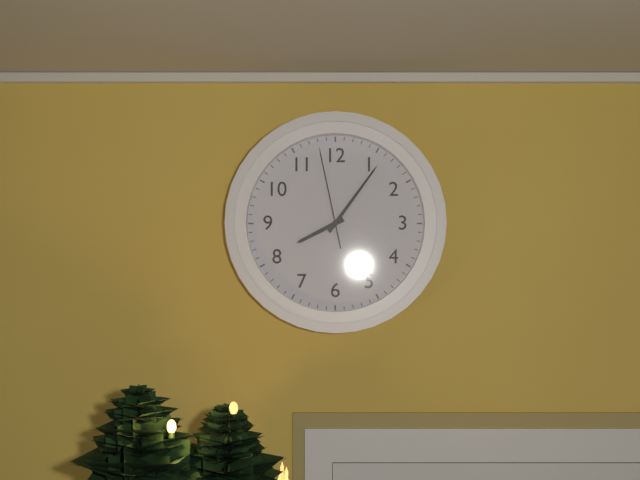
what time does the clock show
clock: 8:06:58
